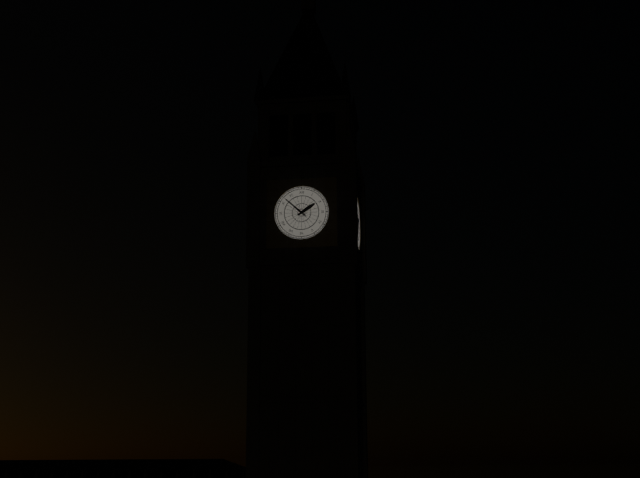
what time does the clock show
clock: 1:52
